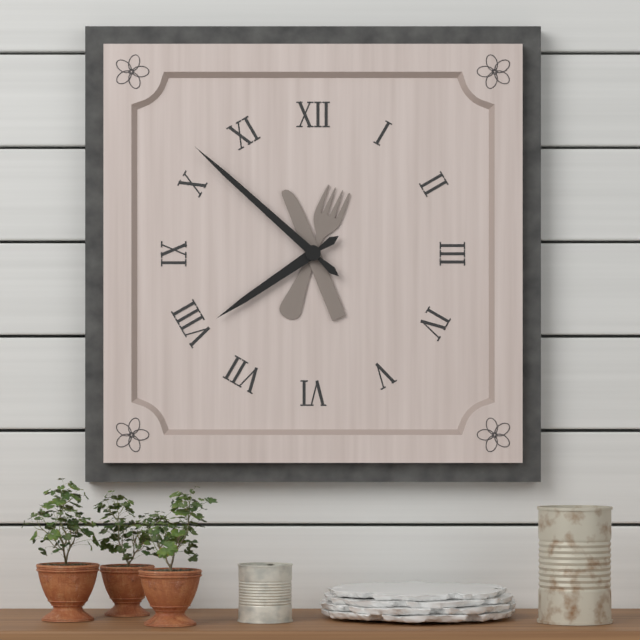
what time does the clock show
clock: 7:52
